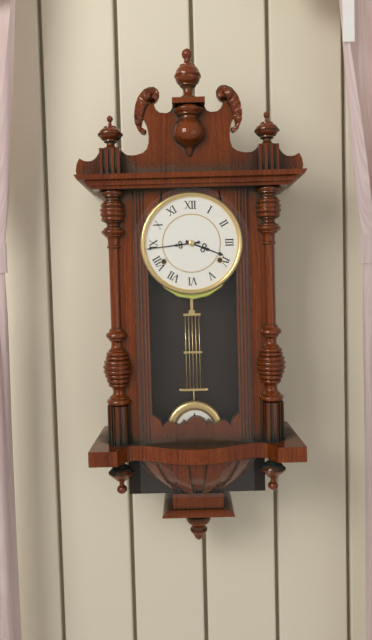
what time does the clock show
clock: 3:44
